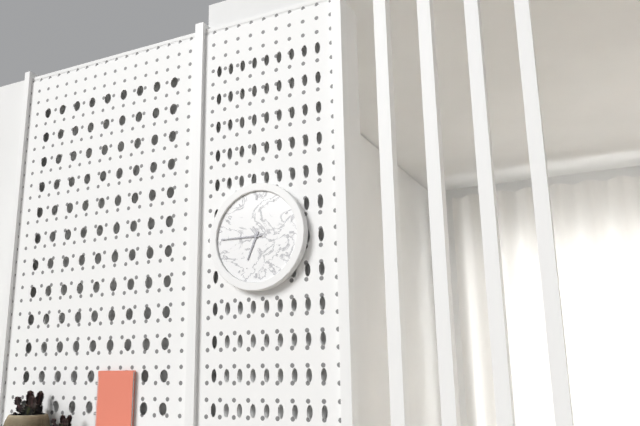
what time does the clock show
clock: 6:45
